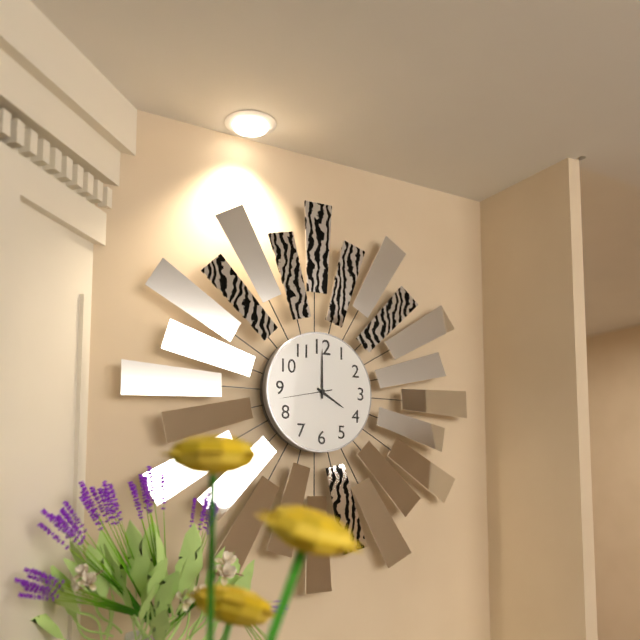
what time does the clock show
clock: 4:00:43
